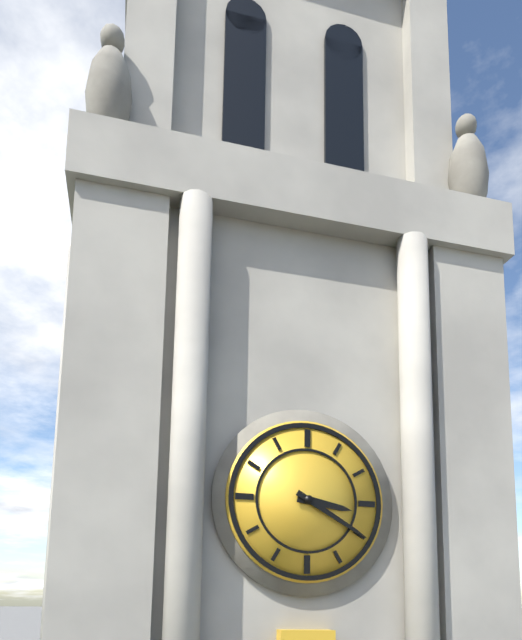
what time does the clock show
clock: 3:20
